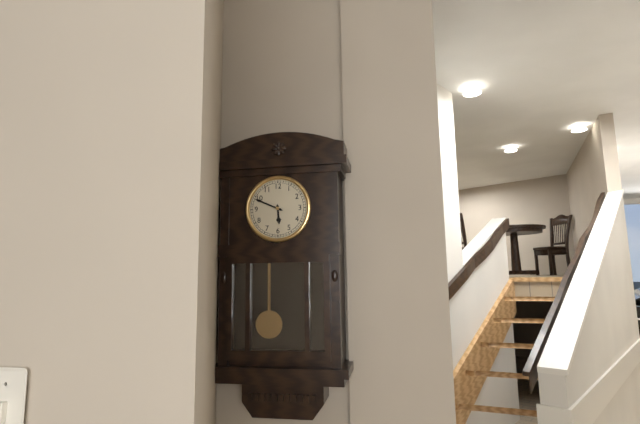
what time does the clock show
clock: 5:49
